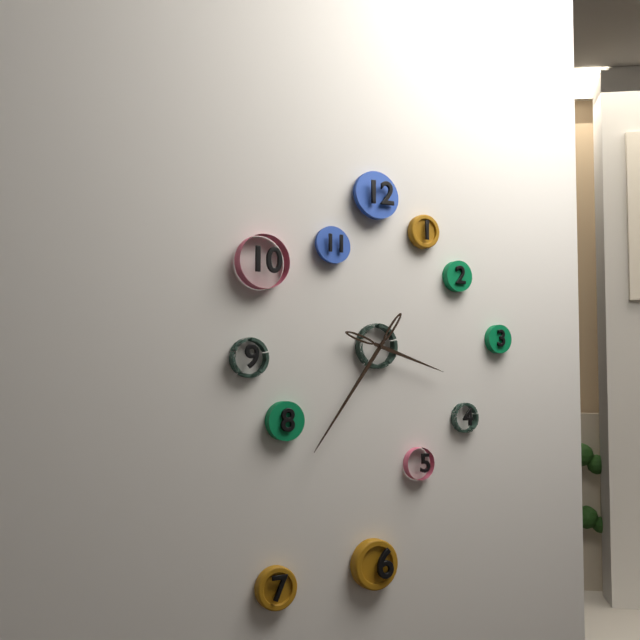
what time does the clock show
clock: 3:36
